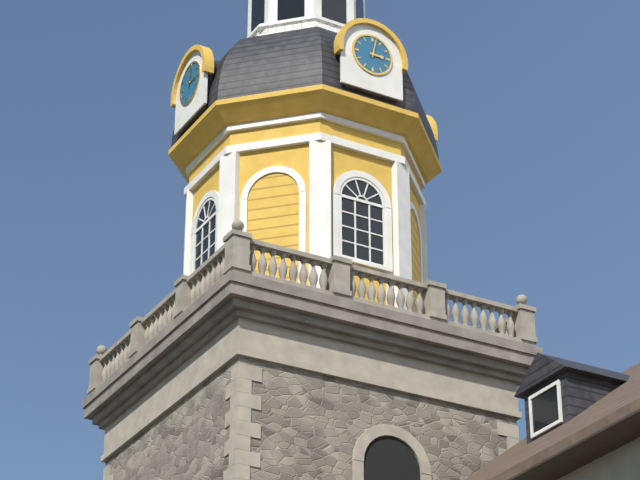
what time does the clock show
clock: 3:02
